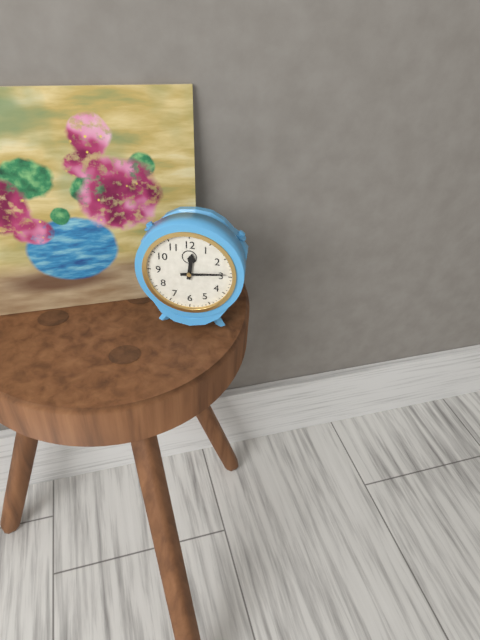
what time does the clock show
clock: 12:14
